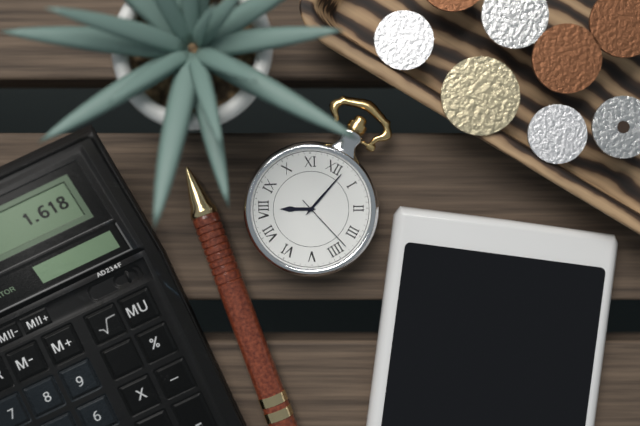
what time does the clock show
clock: 8:02:18
